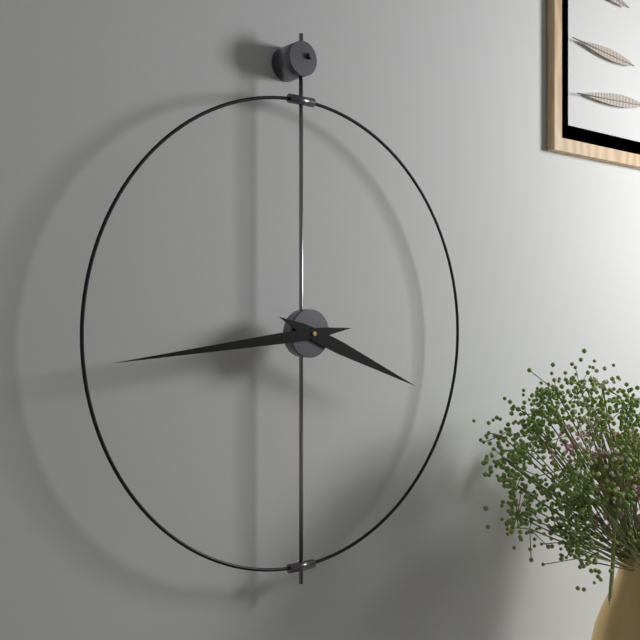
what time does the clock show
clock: 3:44
